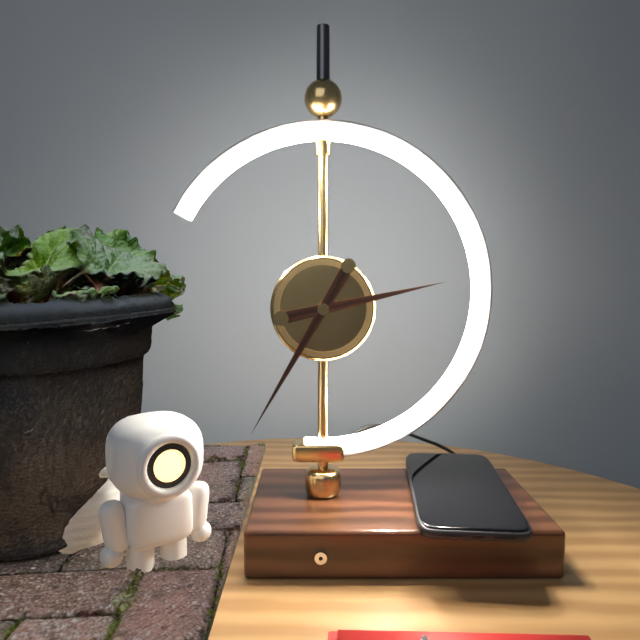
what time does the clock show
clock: 2:35
